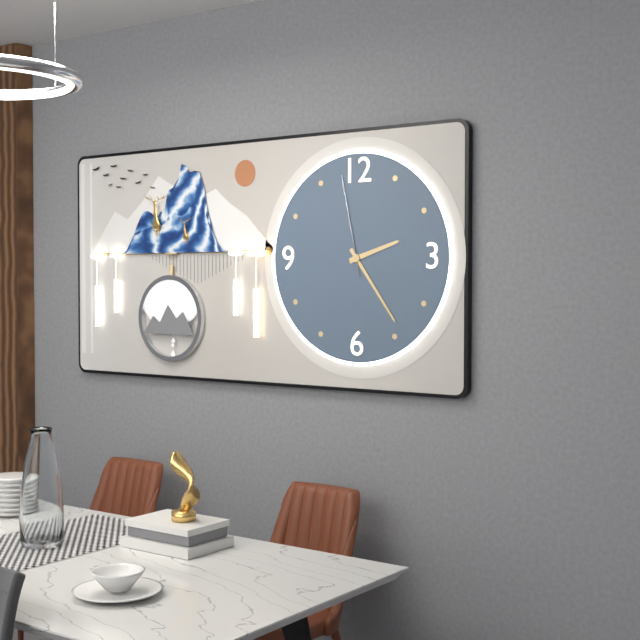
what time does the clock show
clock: 2:24:58
